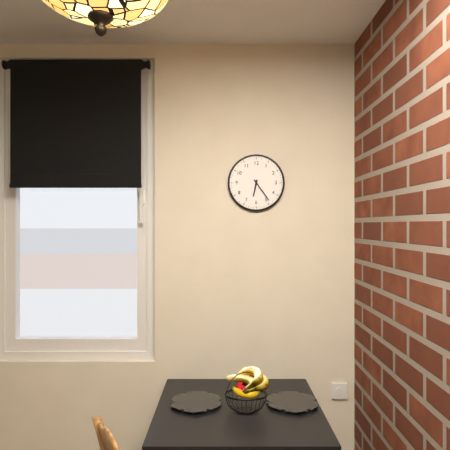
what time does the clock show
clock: 6:24
